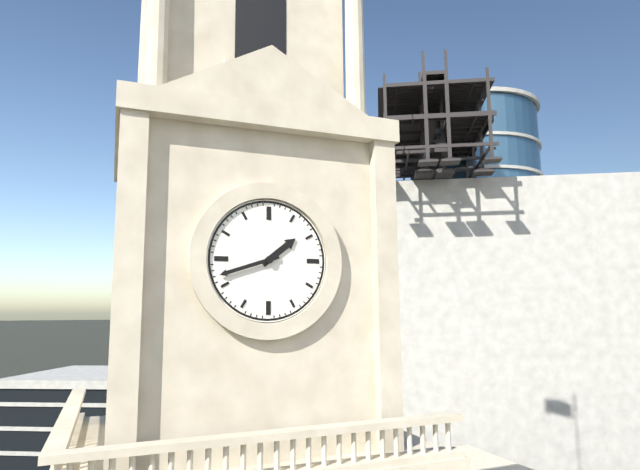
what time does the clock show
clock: 1:42
